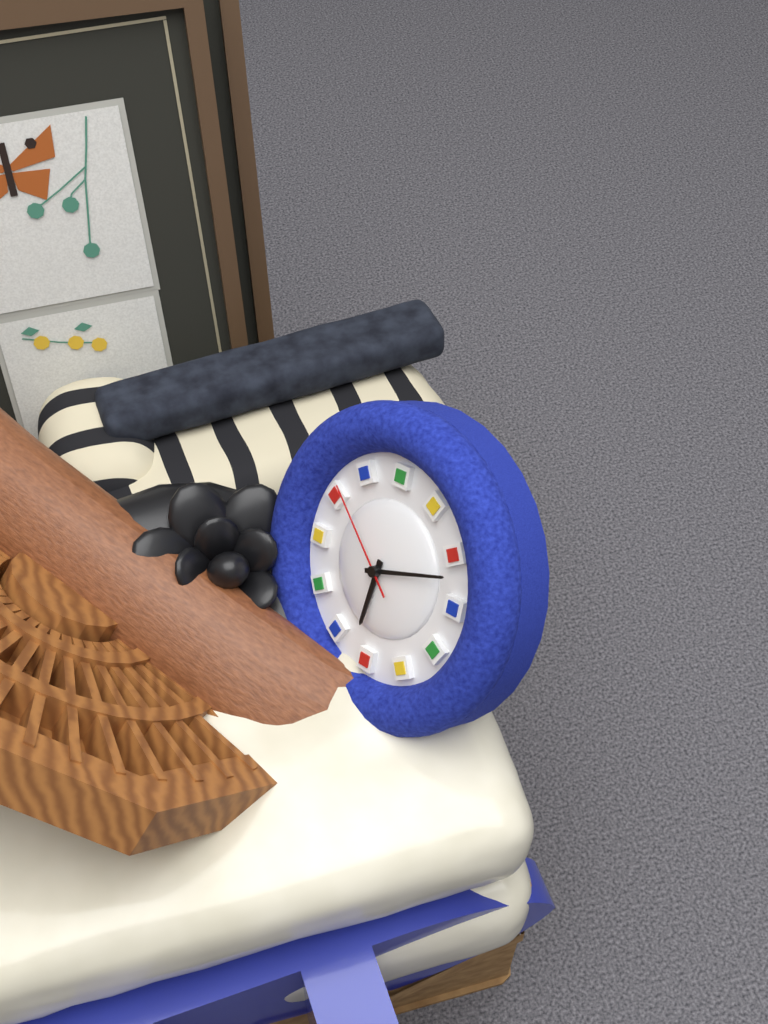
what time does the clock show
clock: 7:17:57
